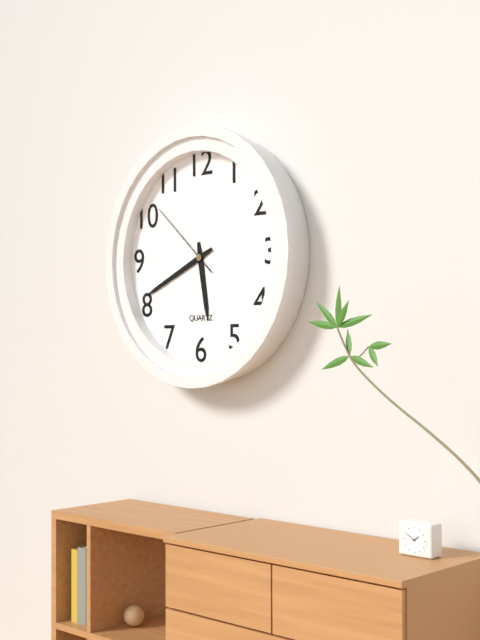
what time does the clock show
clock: 5:41:52
